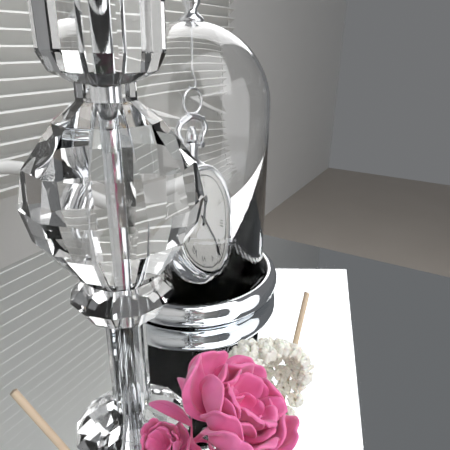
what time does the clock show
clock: 12:21
